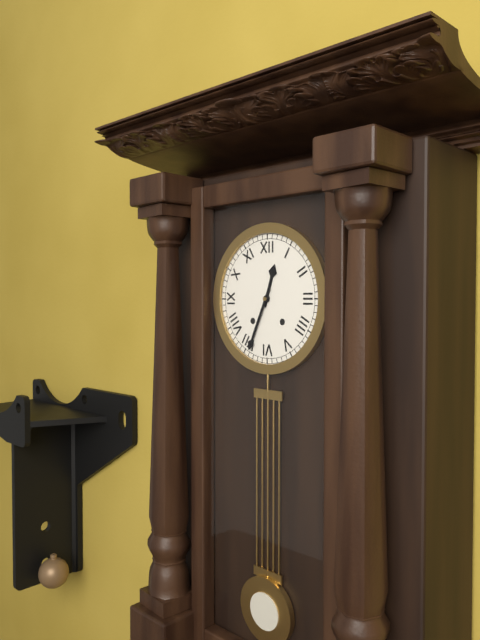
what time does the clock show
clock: 12:34
